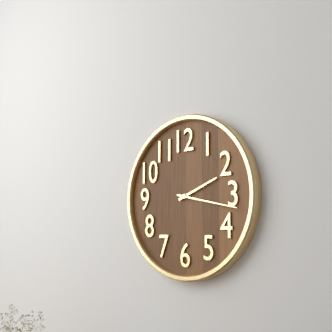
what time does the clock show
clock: 2:17
